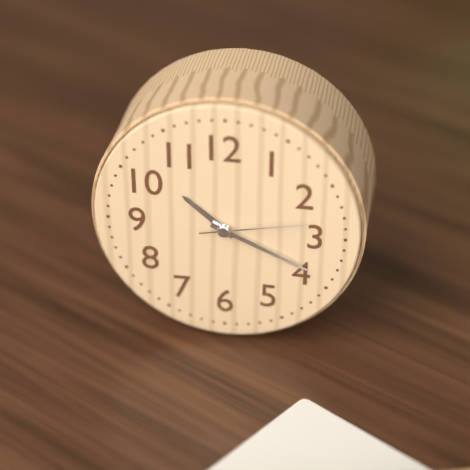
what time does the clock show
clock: 10:19:13
